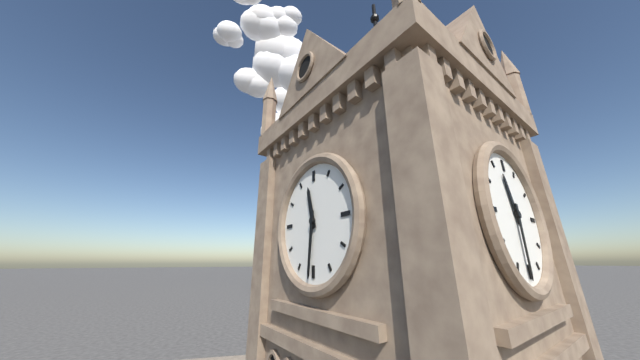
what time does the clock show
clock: 11:31
